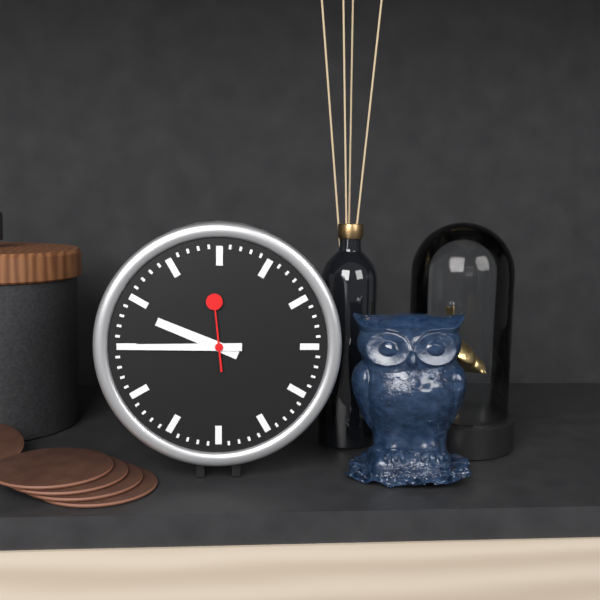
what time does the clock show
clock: 9:45:59
